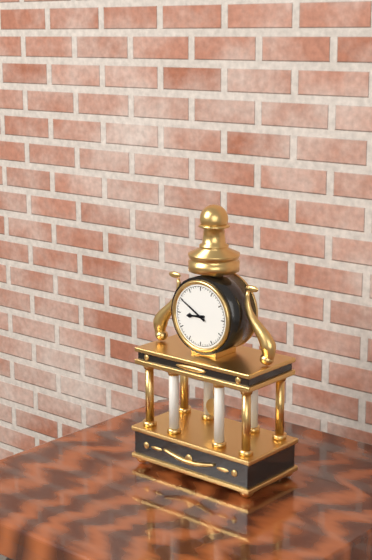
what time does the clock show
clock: 8:50
